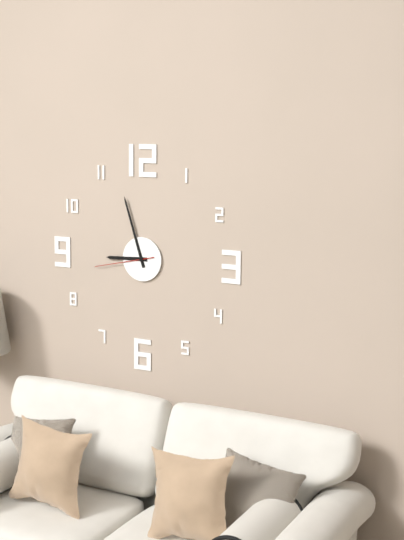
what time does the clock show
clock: 8:57:43
